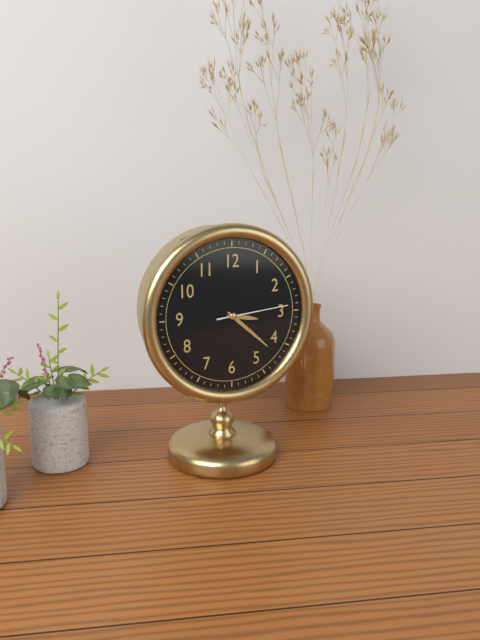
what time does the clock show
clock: 3:22:14
